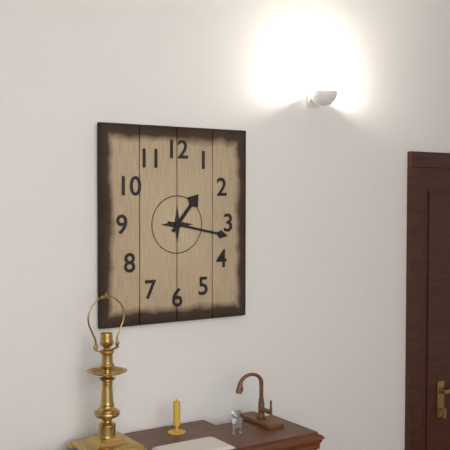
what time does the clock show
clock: 1:17
